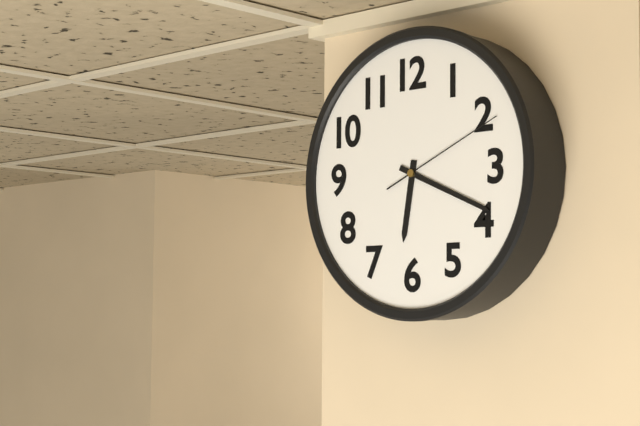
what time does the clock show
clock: 6:19:11
